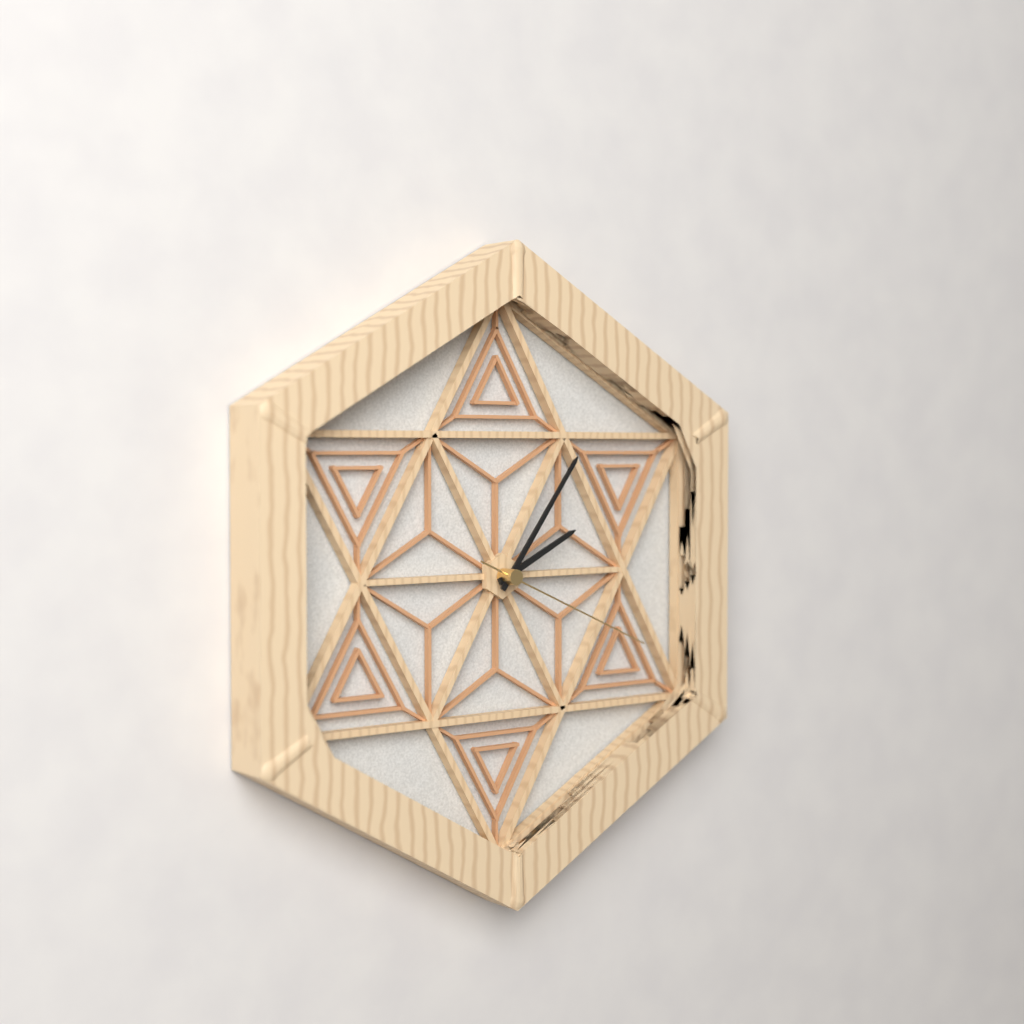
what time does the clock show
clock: 2:06:19
